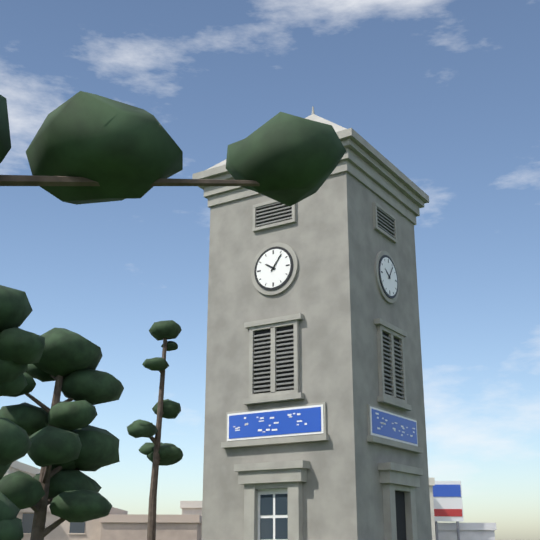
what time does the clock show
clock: 10:06
